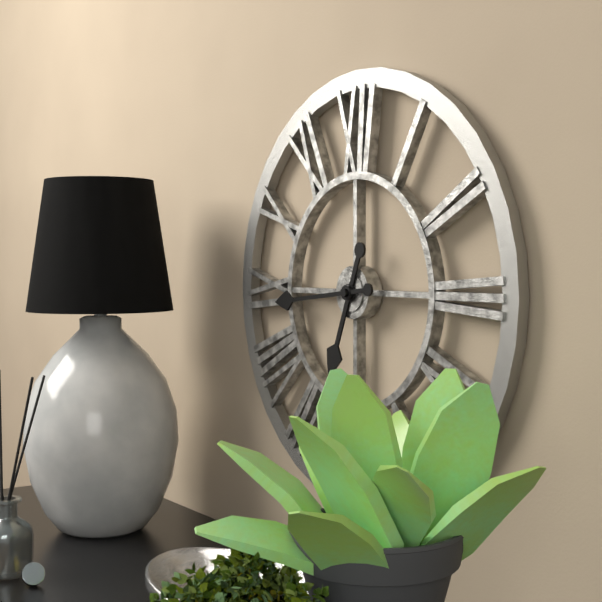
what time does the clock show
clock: 6:44
